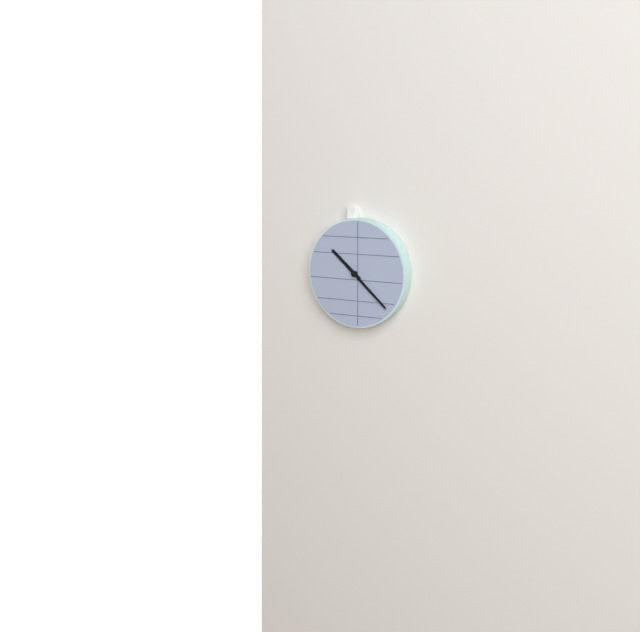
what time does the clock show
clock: 10:22
